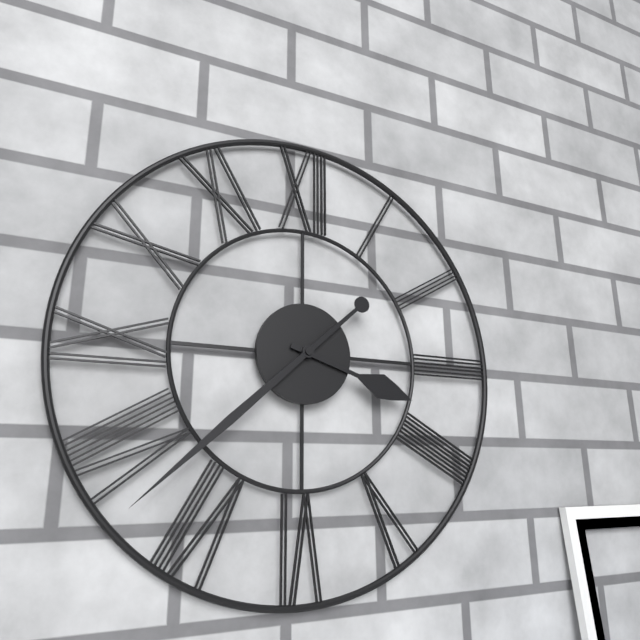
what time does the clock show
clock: 3:38
